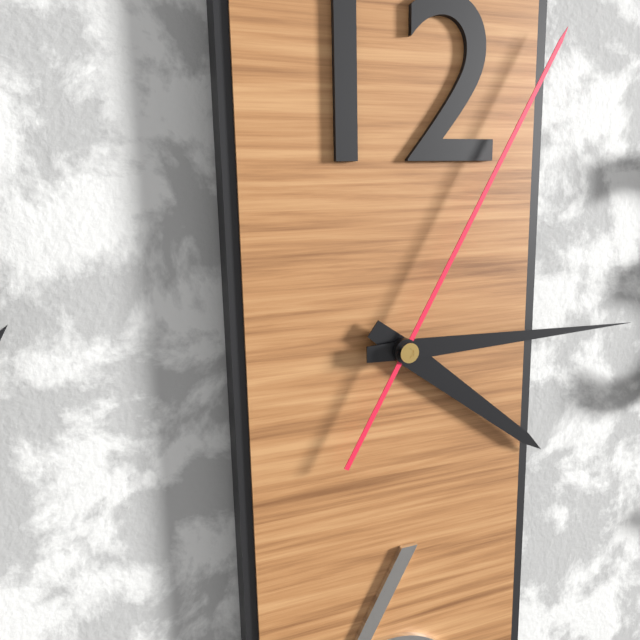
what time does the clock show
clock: 4:15:05
